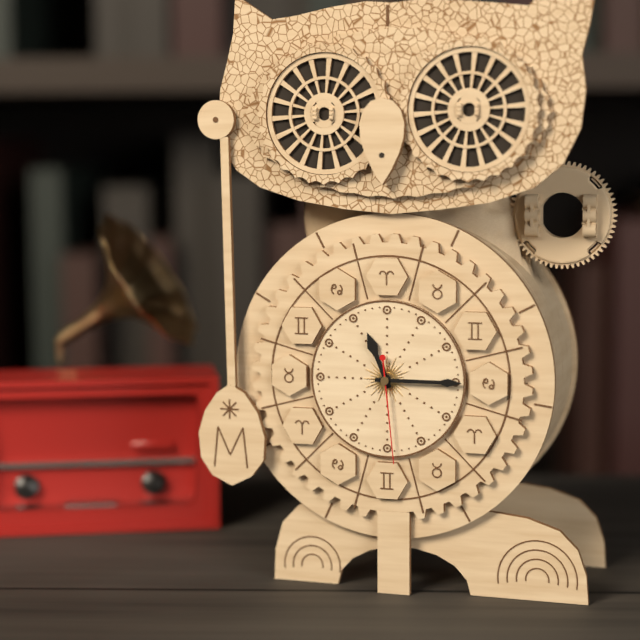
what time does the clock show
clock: 11:15:29
